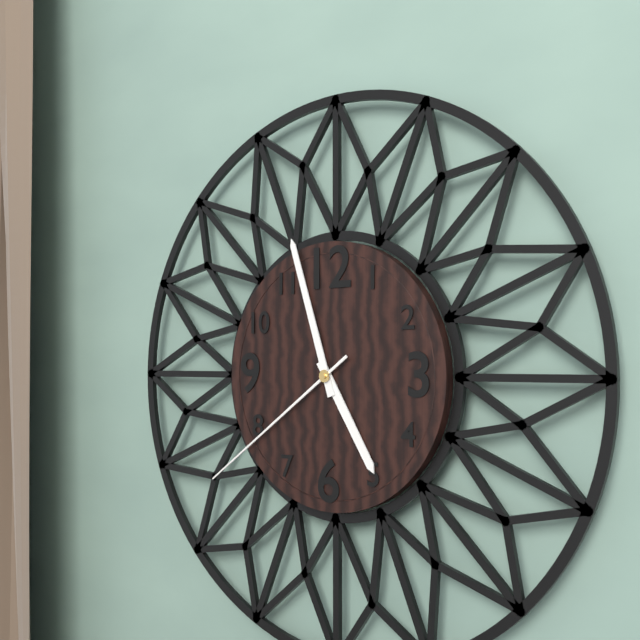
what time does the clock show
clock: 4:57:39
